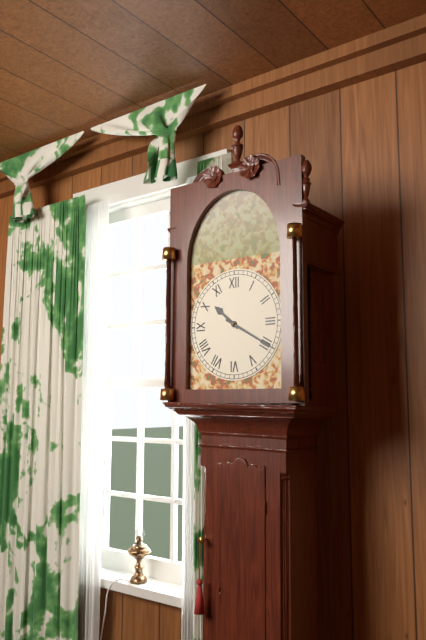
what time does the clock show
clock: 10:20
